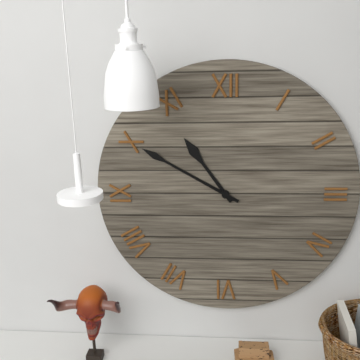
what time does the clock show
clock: 10:50
